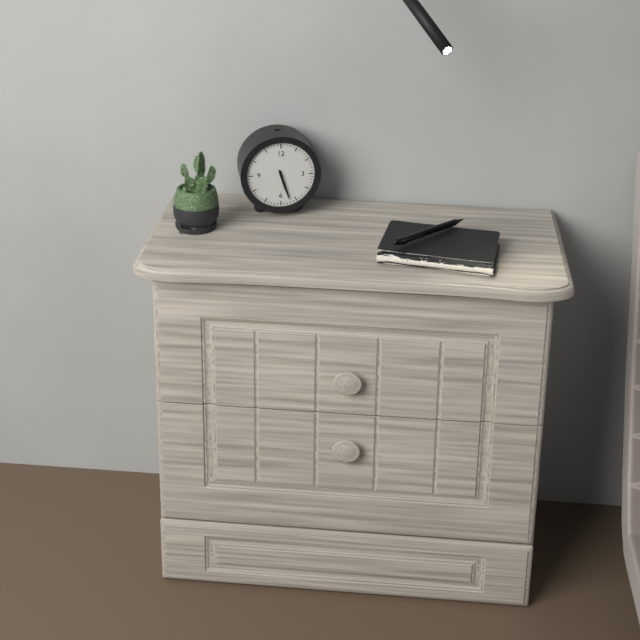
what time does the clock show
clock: 5:27
